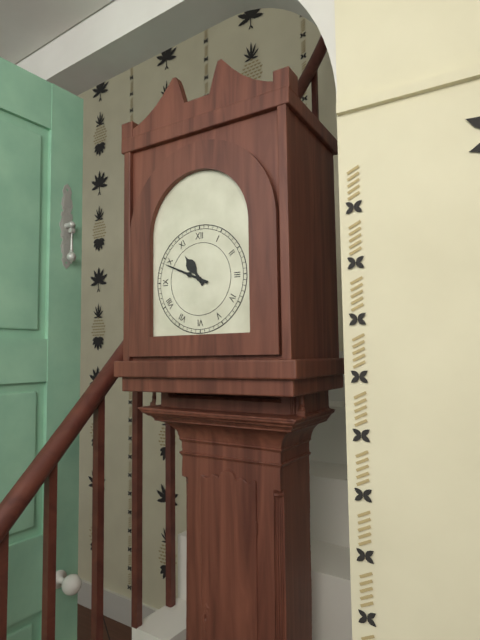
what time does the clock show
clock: 10:49
